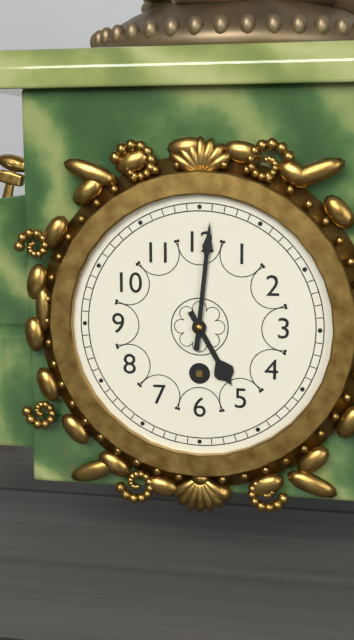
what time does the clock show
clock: 5:01
